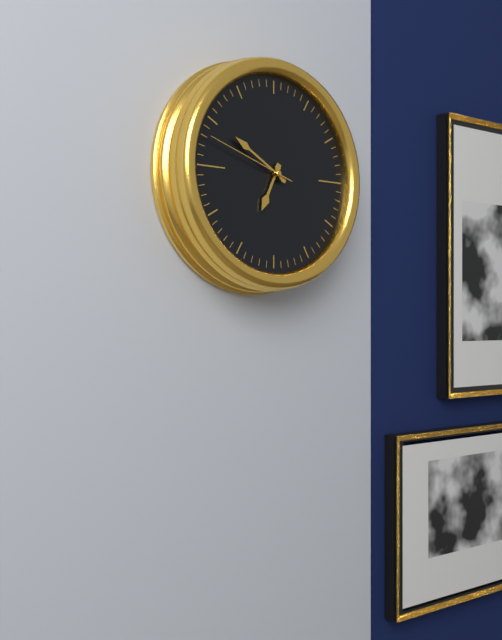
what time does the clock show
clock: 6:50:48
